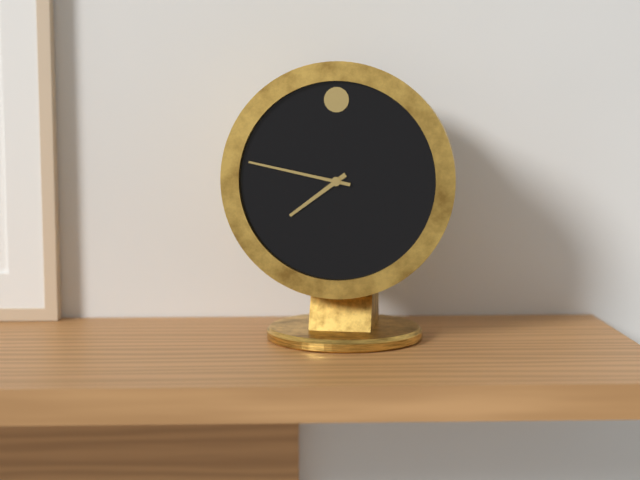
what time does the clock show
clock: 7:47
